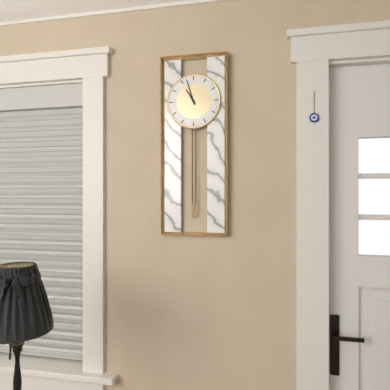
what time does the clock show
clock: 10:57
